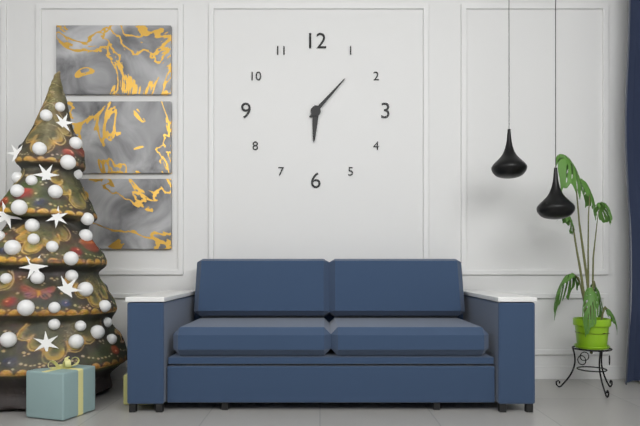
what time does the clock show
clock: 6:07
